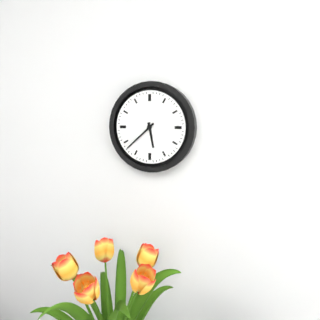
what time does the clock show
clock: 5:38
